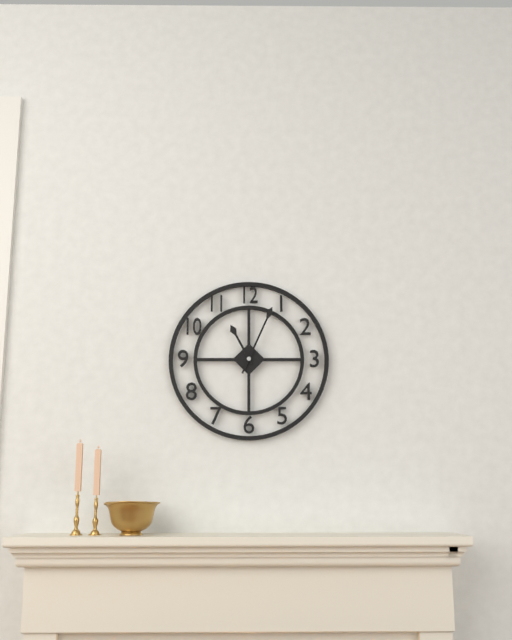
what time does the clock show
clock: 11:04
